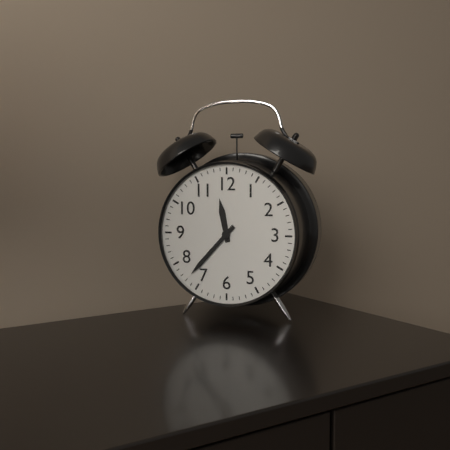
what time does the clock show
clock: 11:37
